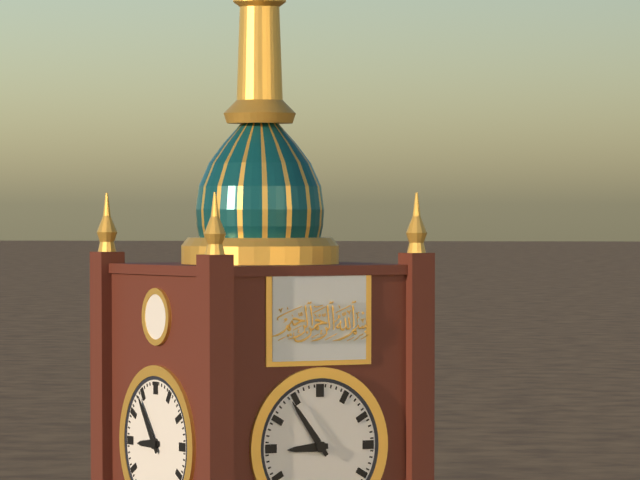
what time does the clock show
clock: 8:54
